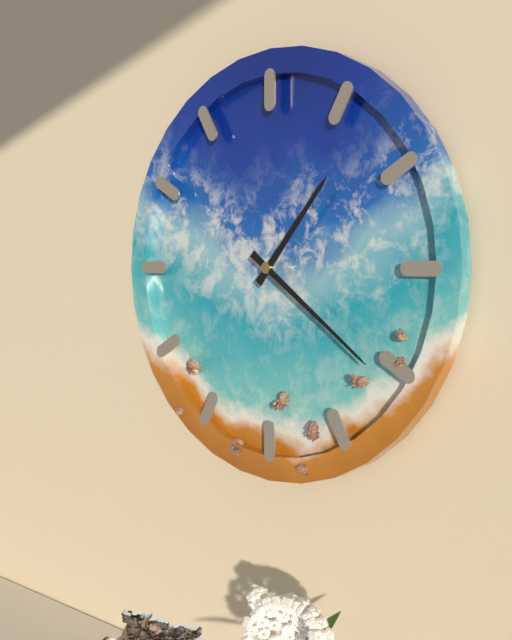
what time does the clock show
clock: 1:21
